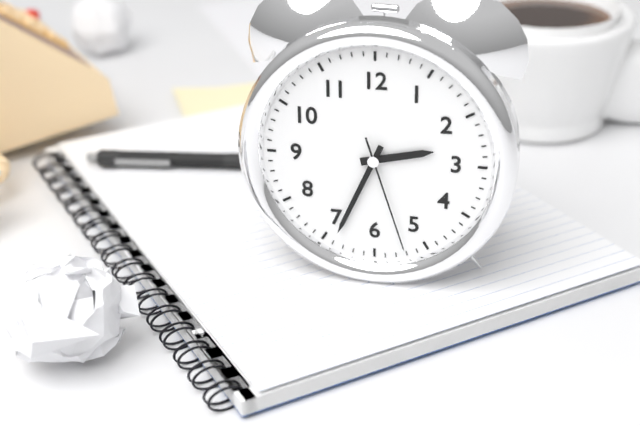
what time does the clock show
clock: 2:34:27
